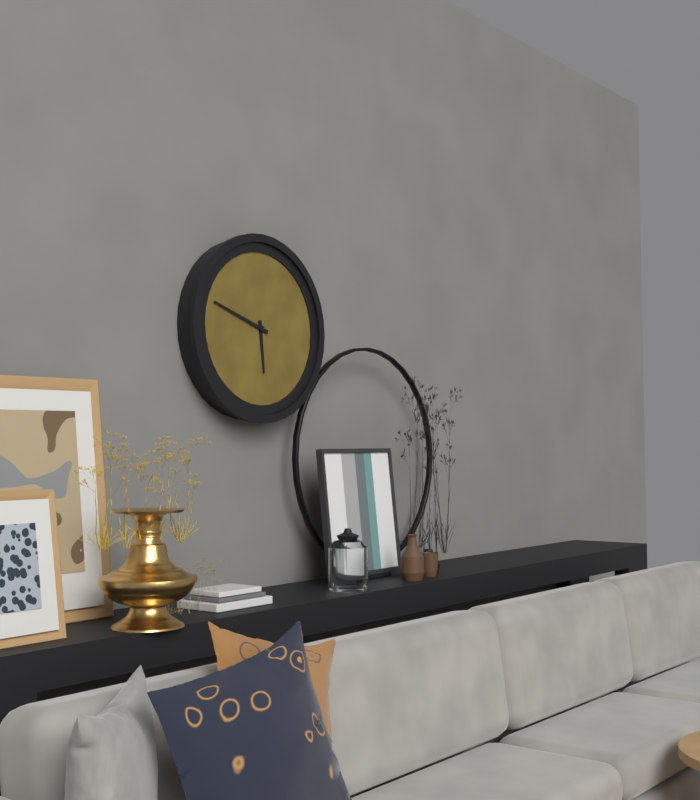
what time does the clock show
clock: 5:48
